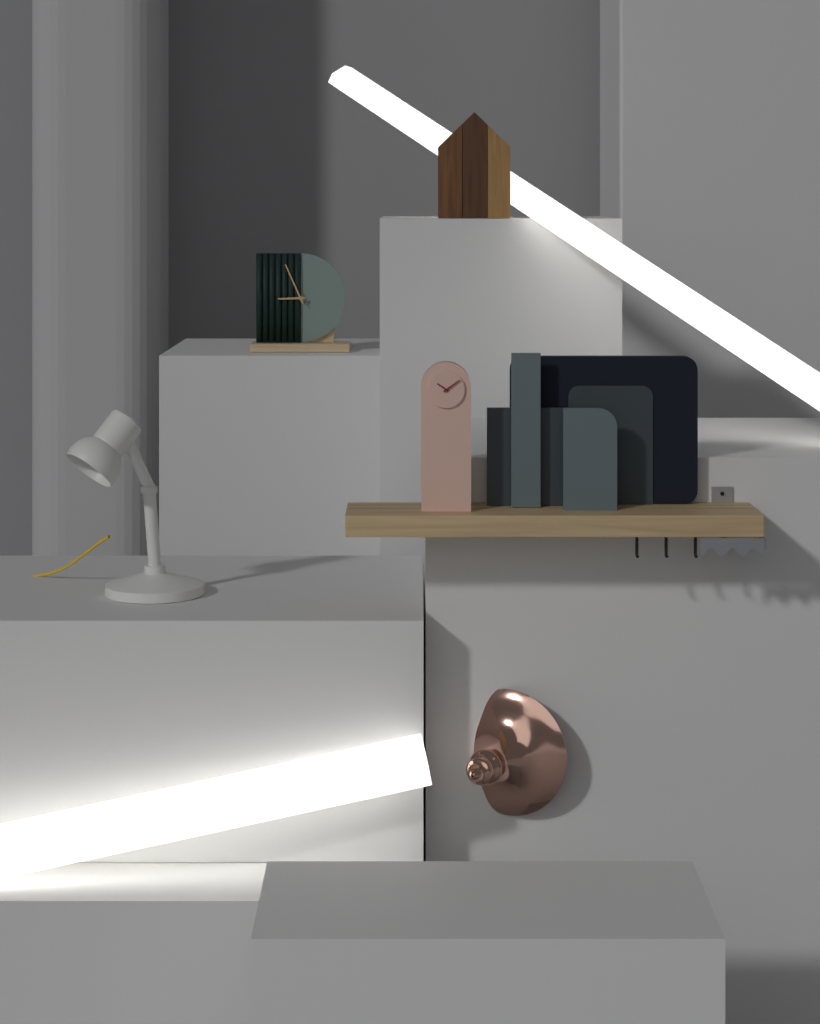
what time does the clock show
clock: 8:56
